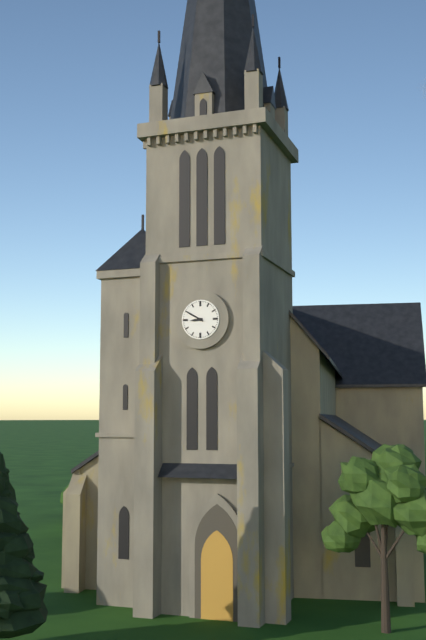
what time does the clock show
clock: 8:50
